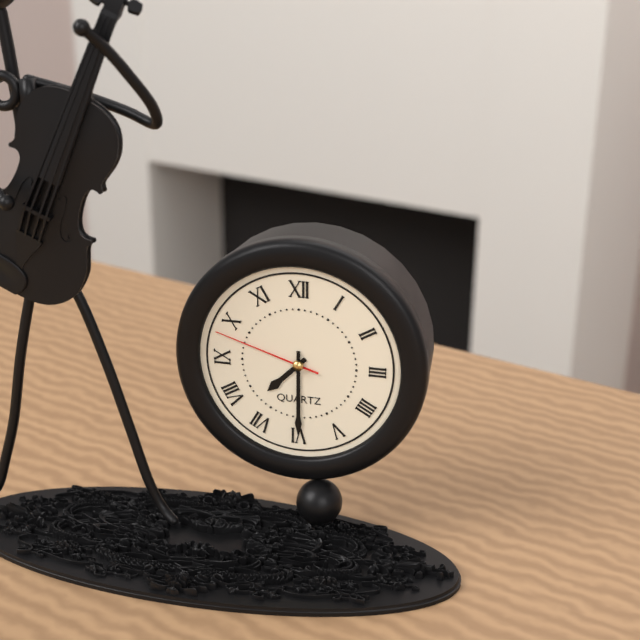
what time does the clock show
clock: 7:30:48
